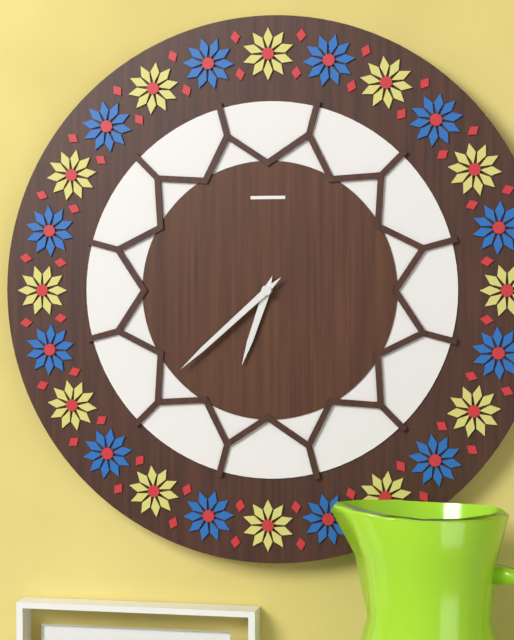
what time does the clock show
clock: 6:38
